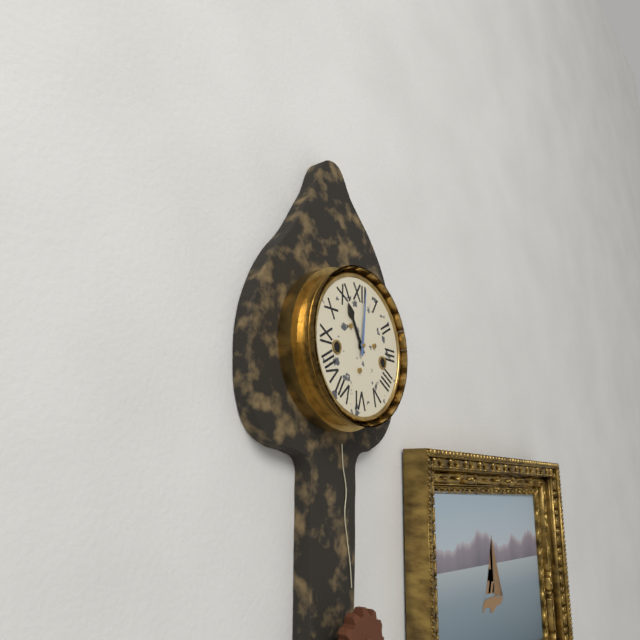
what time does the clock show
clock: 11:01
